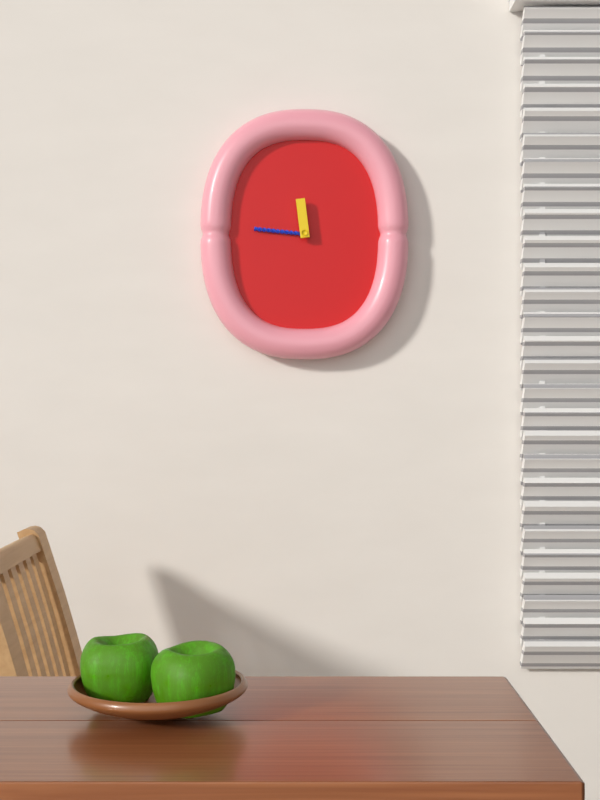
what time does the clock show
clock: 11:46
